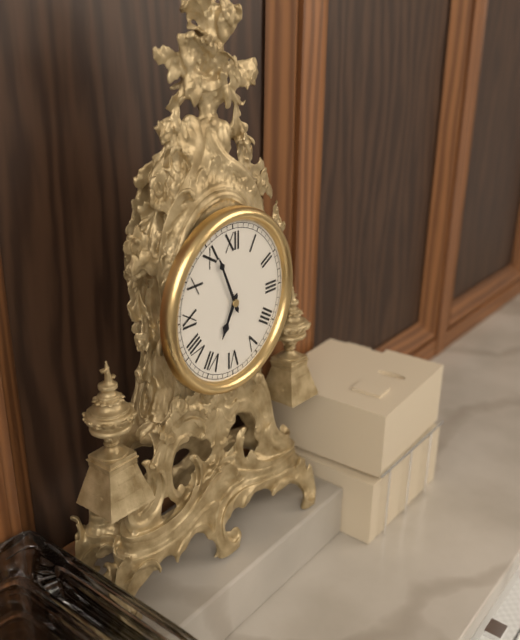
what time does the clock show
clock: 6:56
